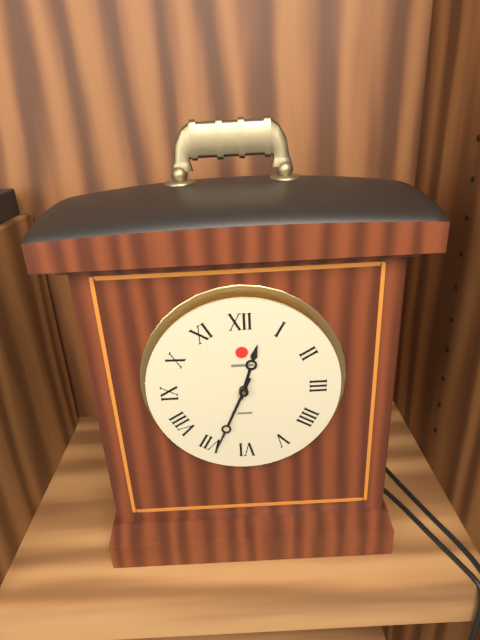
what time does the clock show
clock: 12:34
